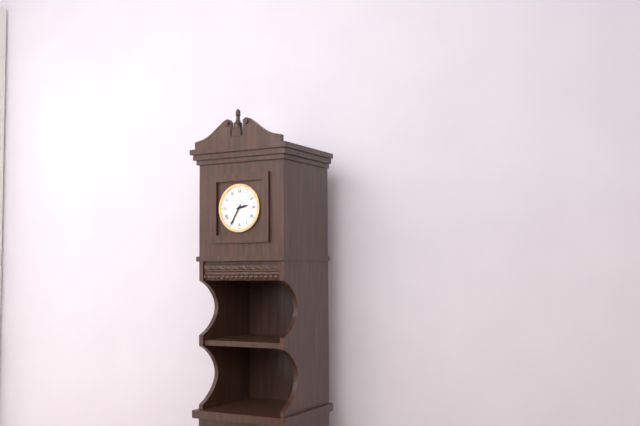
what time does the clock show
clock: 2:35
